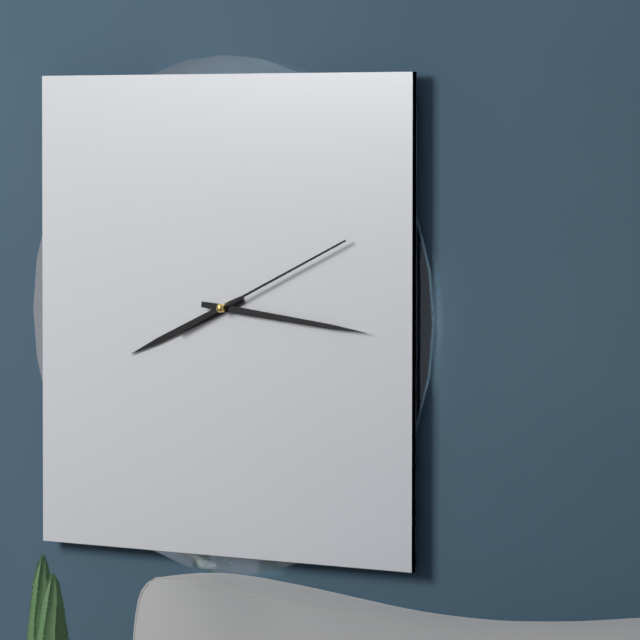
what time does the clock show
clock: 8:16:11
